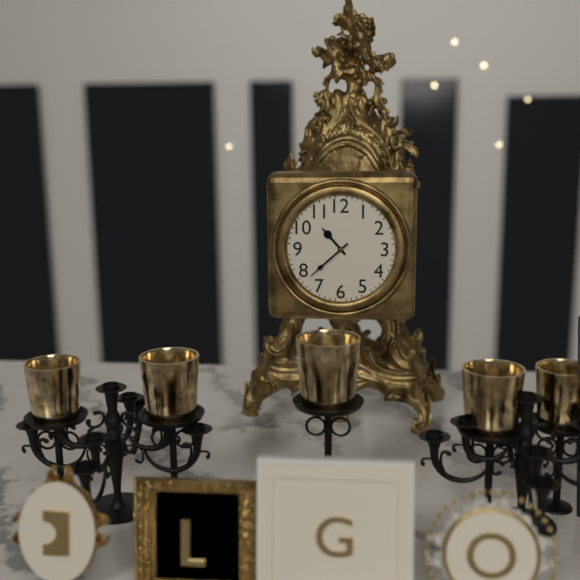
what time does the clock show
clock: 10:38
